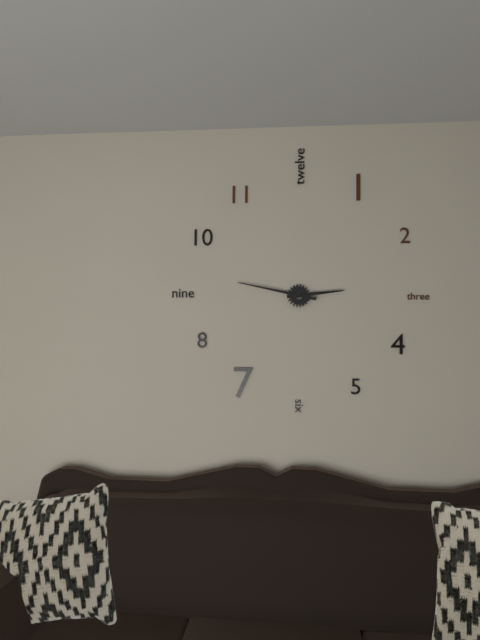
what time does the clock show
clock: 2:47
